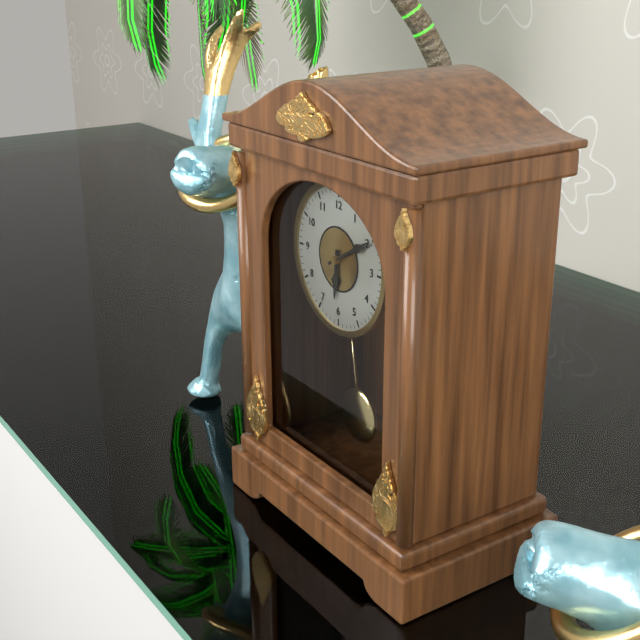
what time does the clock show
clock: 6:10
